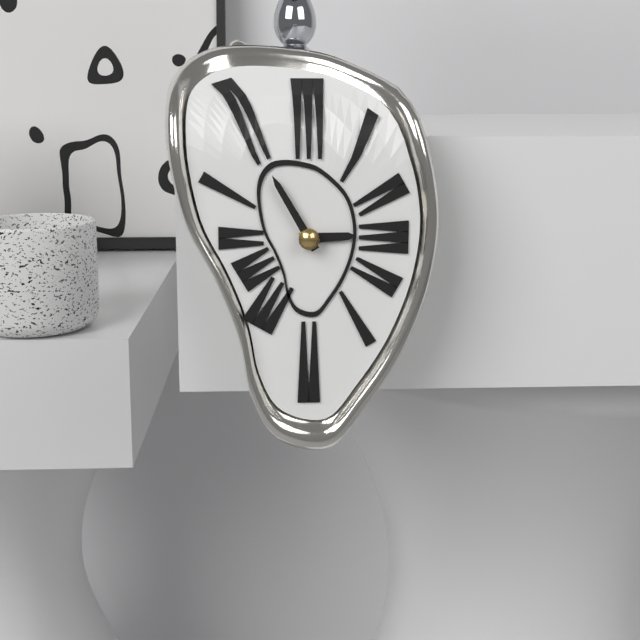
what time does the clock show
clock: 2:55
